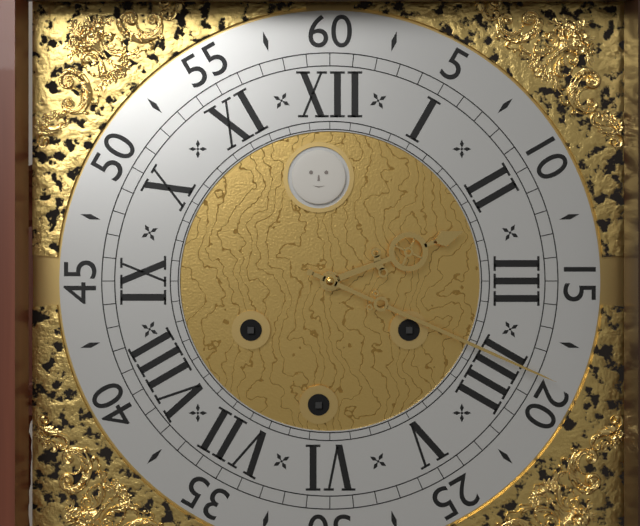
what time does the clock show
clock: 2:19
